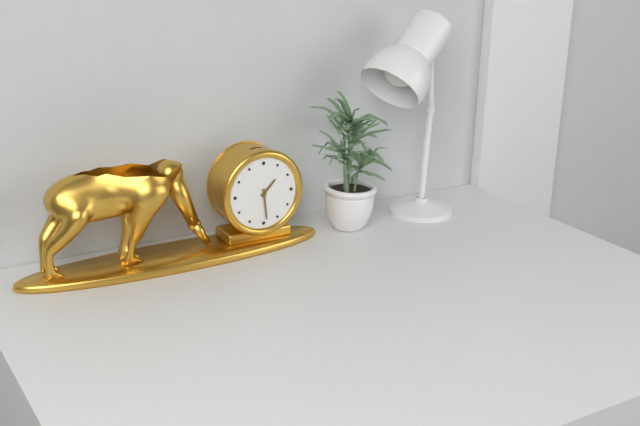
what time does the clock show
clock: 1:29
